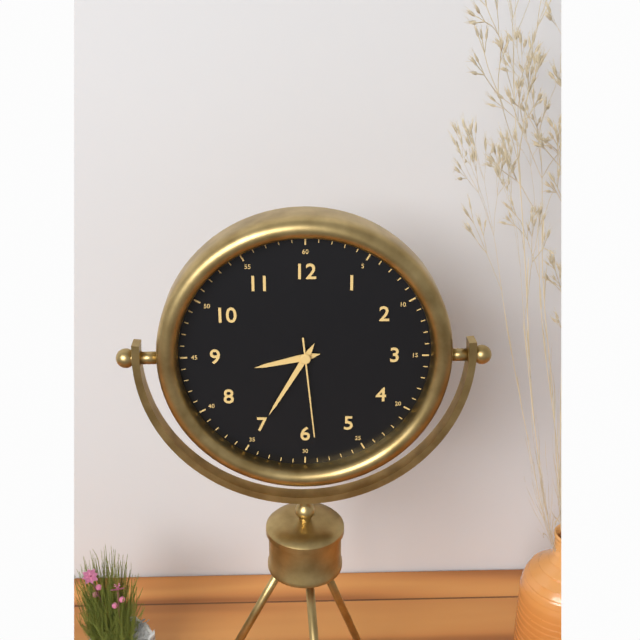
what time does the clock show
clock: 8:35:29
